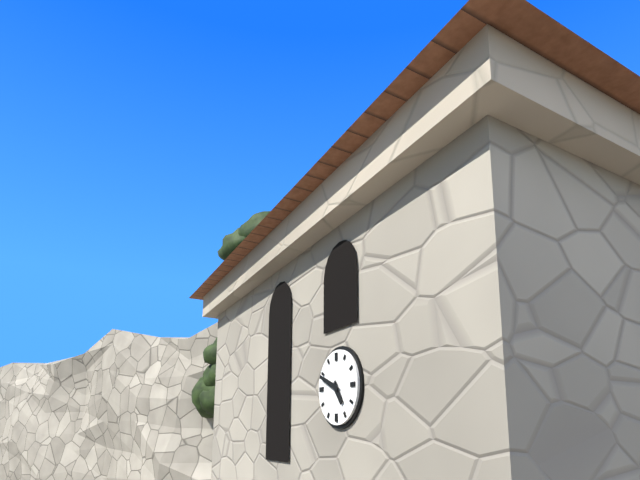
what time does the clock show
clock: 4:49
